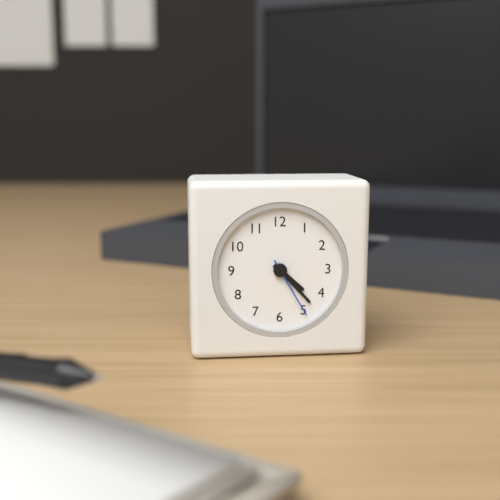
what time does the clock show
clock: 4:23:25
